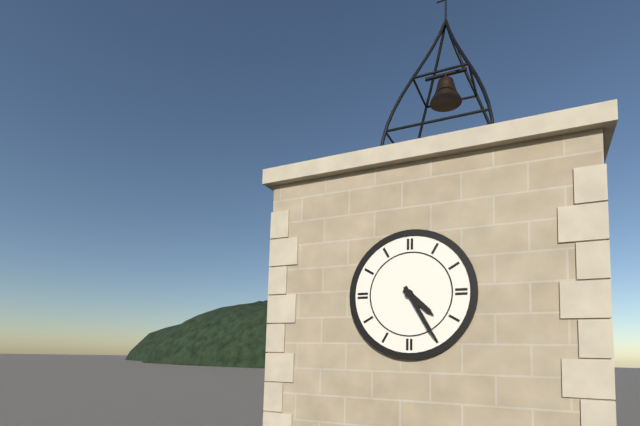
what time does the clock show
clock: 4:25
